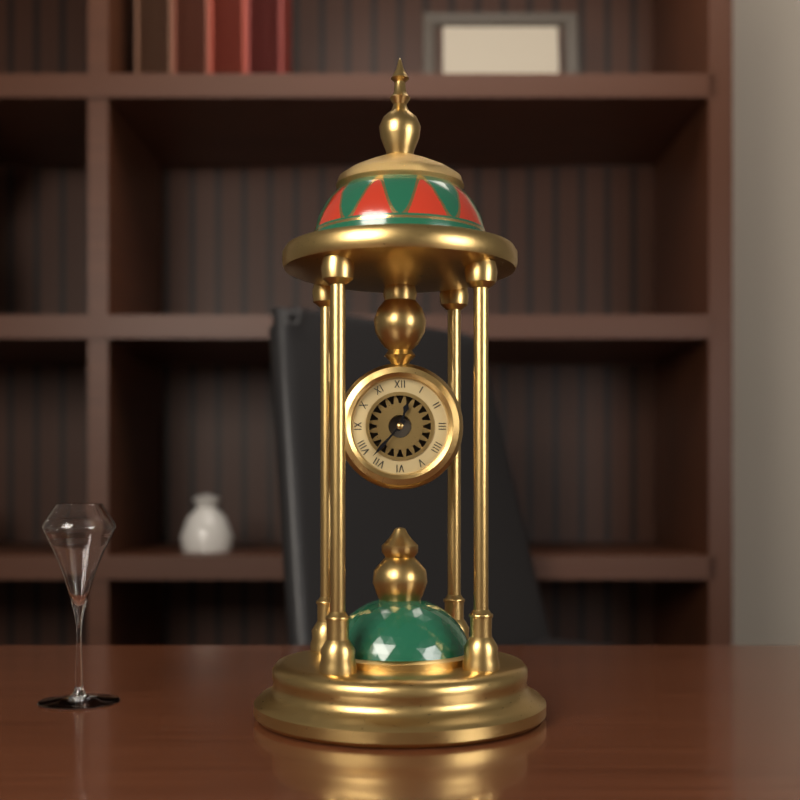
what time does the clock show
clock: 12:37
